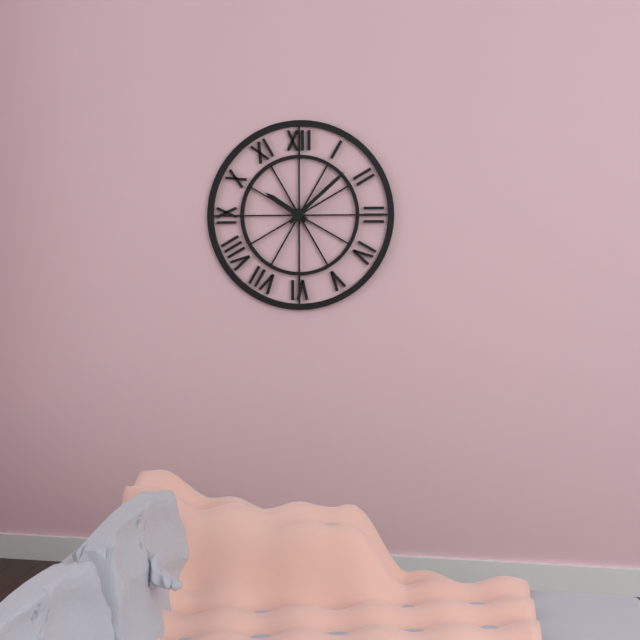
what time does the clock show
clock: 10:08
